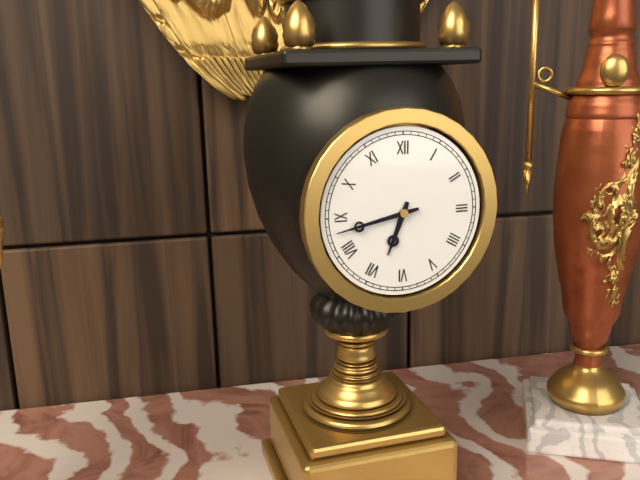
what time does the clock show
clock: 6:43
